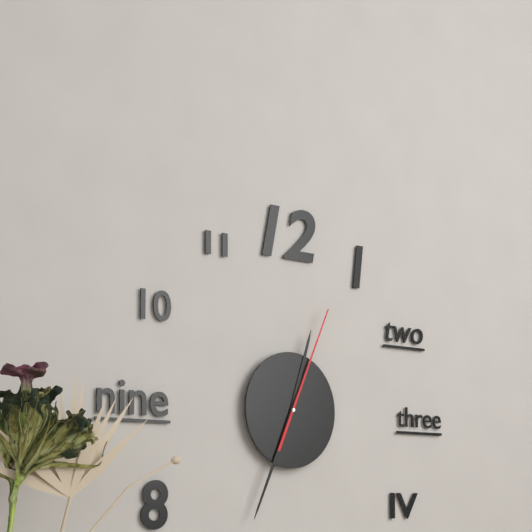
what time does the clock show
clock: 12:34:04
